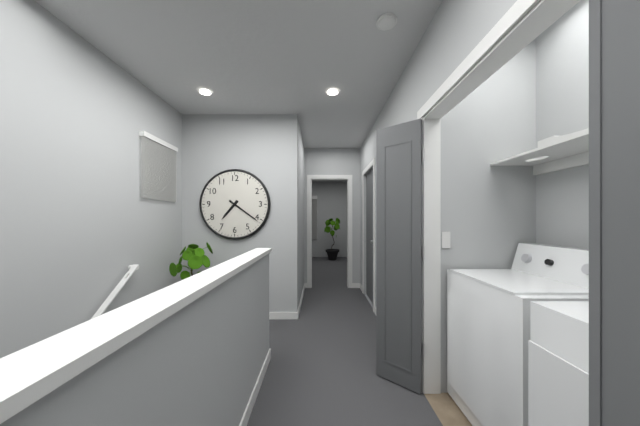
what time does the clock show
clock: 7:21
